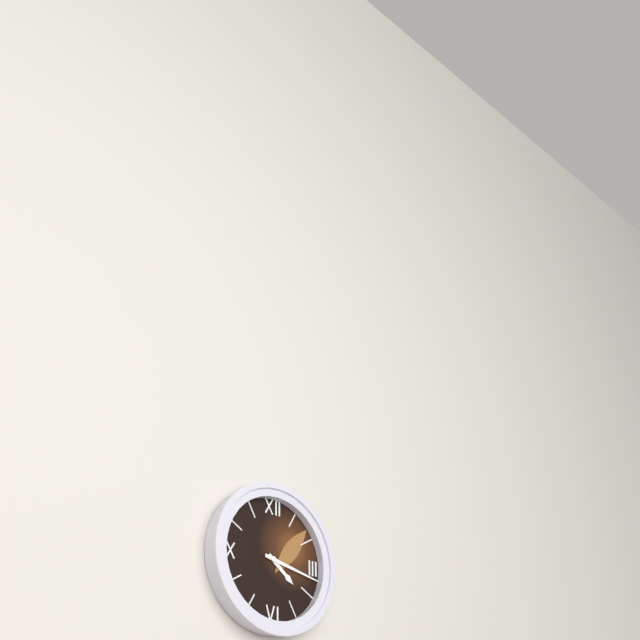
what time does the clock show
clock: 4:17
